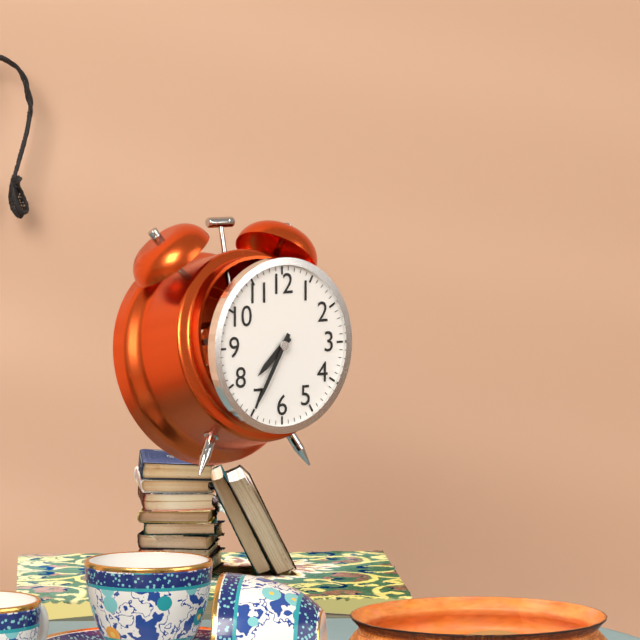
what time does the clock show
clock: 7:35
